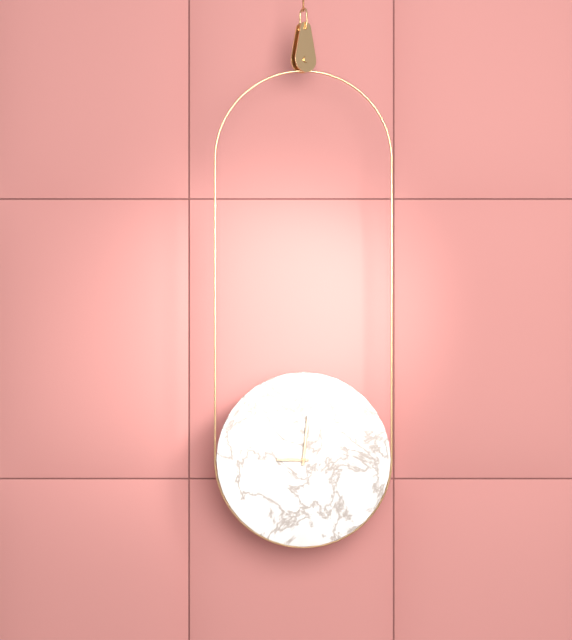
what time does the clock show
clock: 9:01
